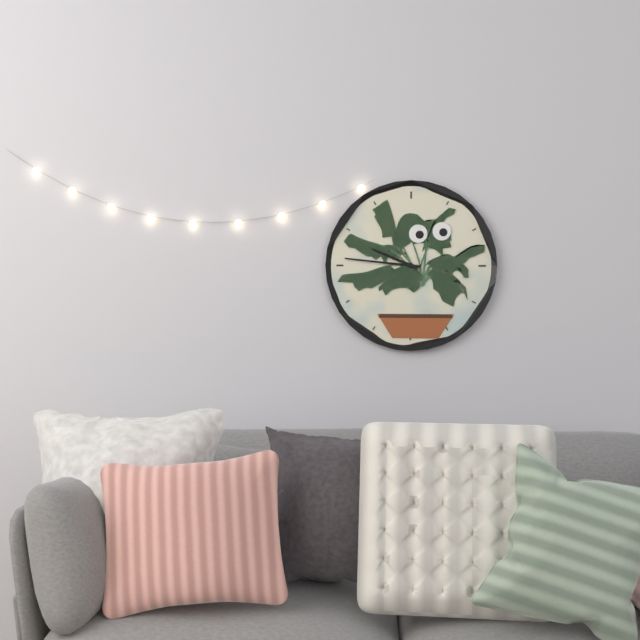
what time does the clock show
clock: 9:46
